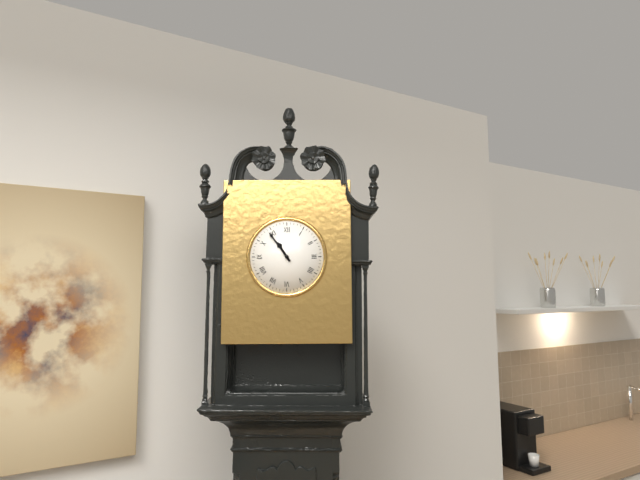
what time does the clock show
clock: 10:54
